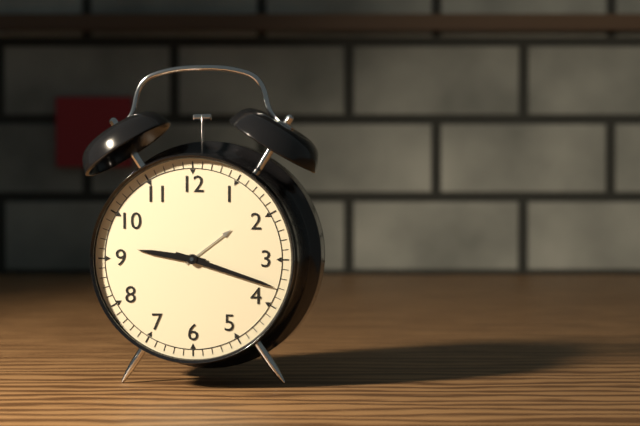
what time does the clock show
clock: 9:18
